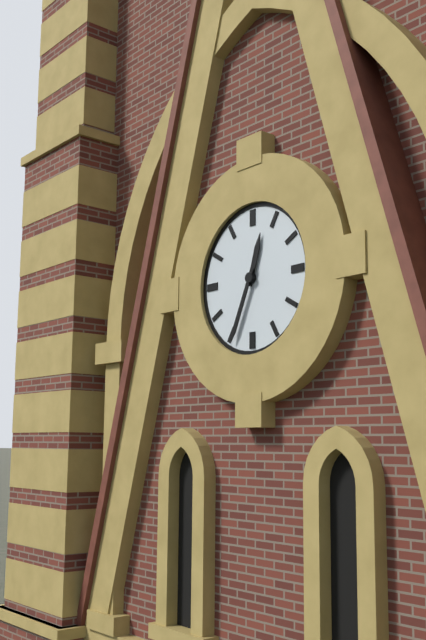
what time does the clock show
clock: 12:34
